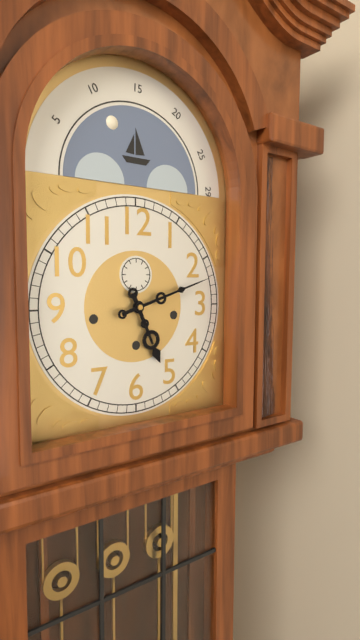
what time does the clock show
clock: 5:12
